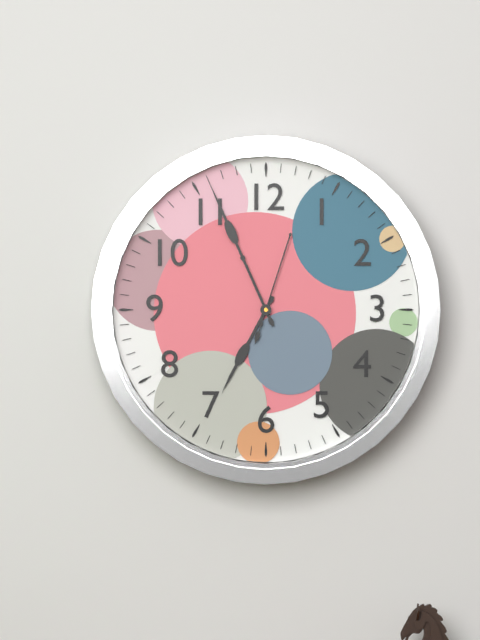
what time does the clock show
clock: 6:56:03
